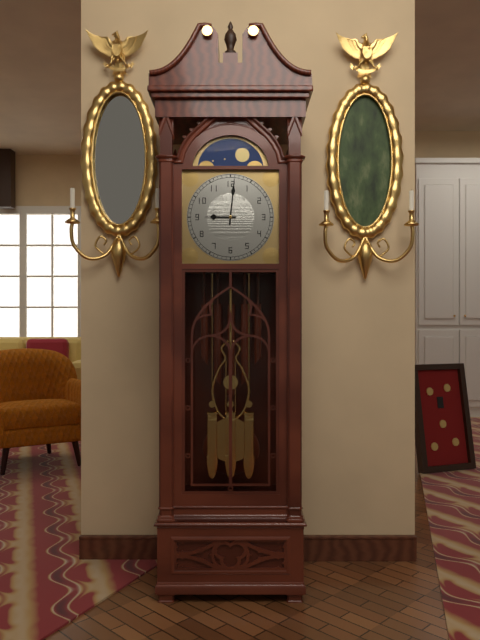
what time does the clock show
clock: 9:01
